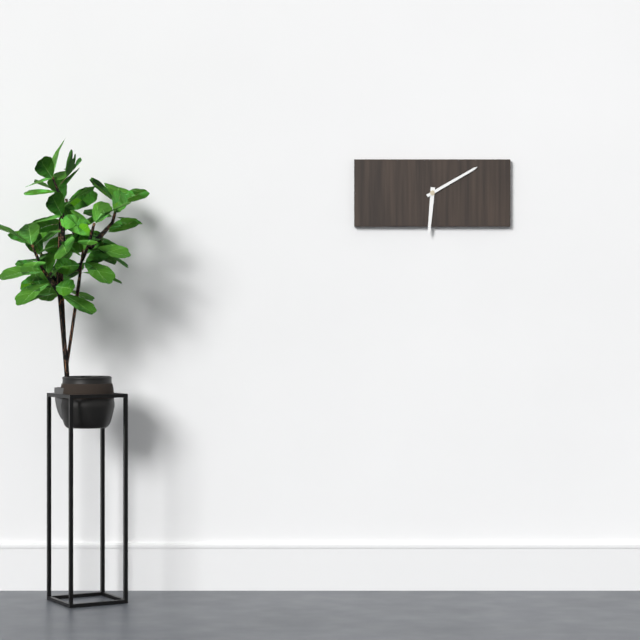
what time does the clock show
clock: 6:10
